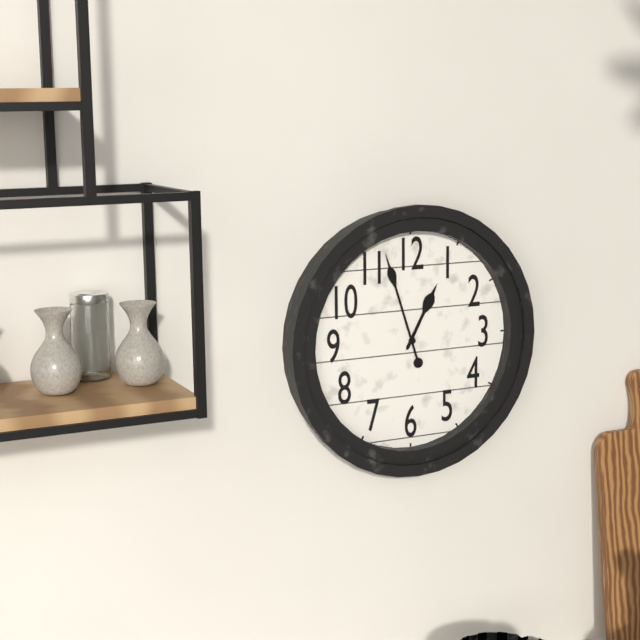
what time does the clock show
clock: 12:57
